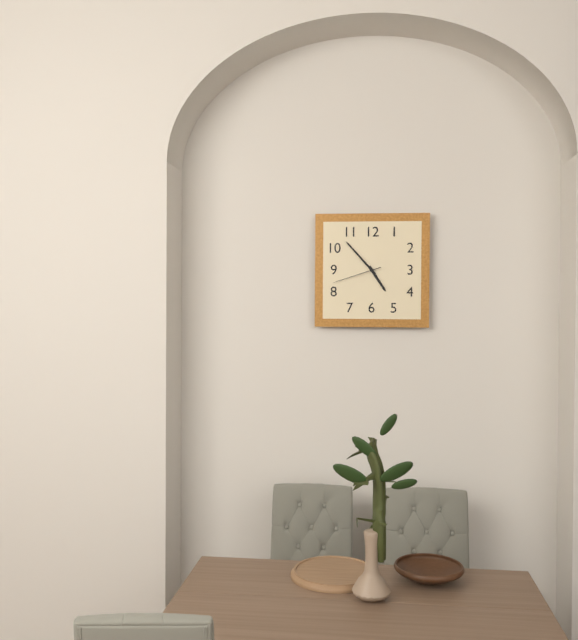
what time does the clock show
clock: 4:53:42
